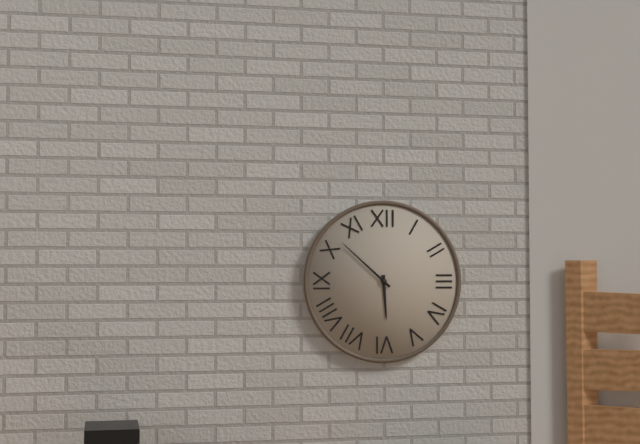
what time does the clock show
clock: 5:52
